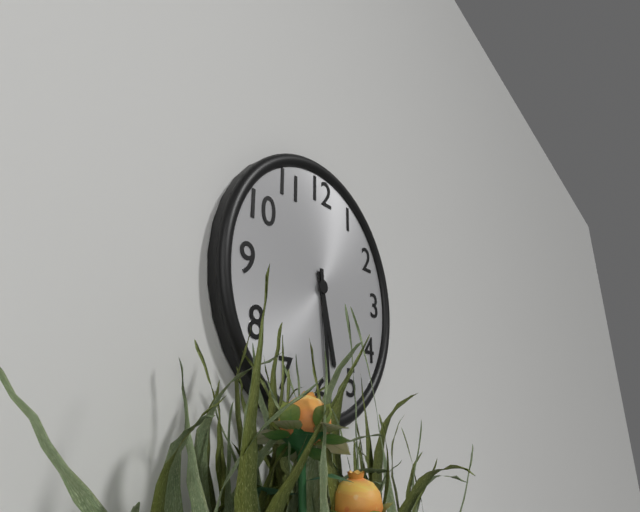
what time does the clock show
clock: 5:29
